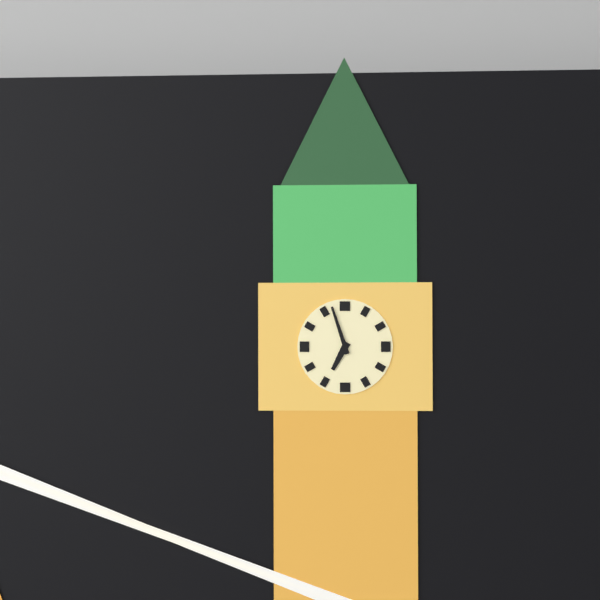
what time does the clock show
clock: 6:57
